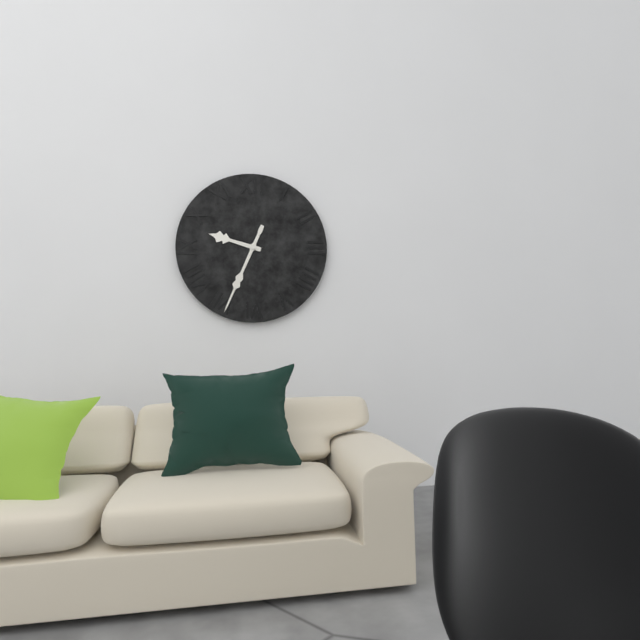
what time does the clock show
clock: 9:34
